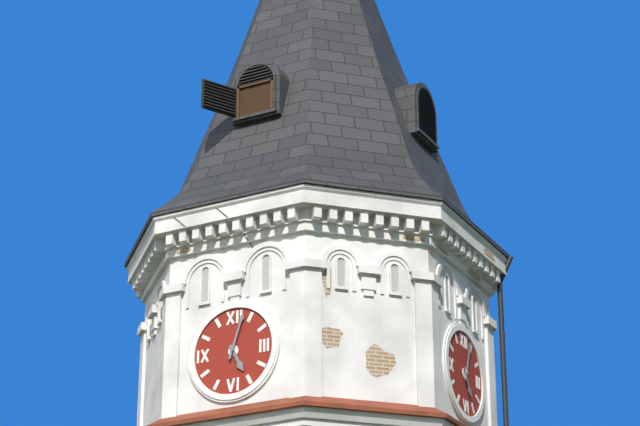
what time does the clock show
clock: 5:03
